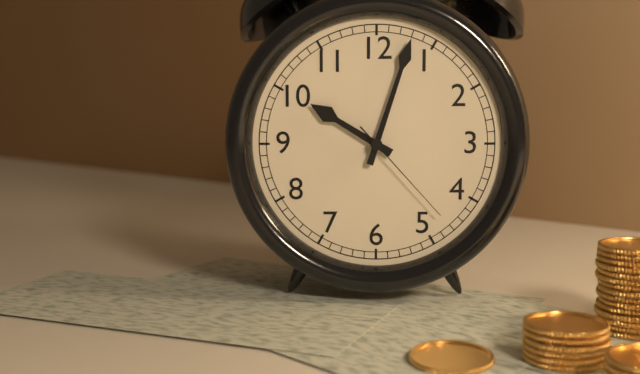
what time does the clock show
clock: 10:03:23
